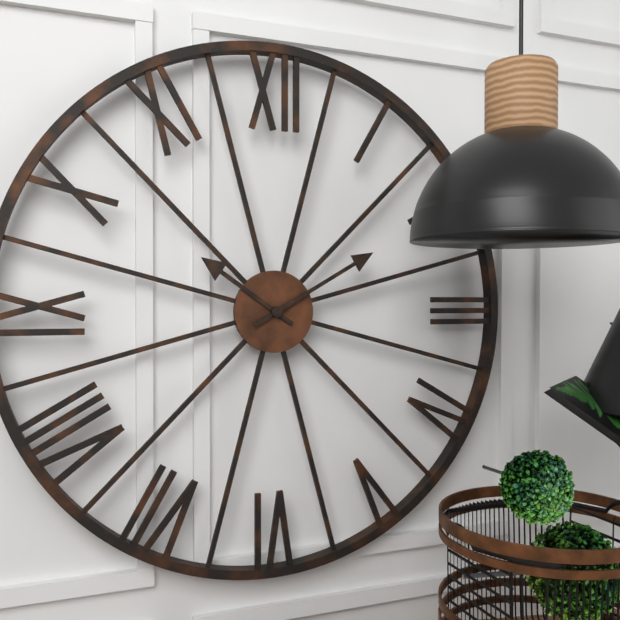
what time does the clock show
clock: 10:10
